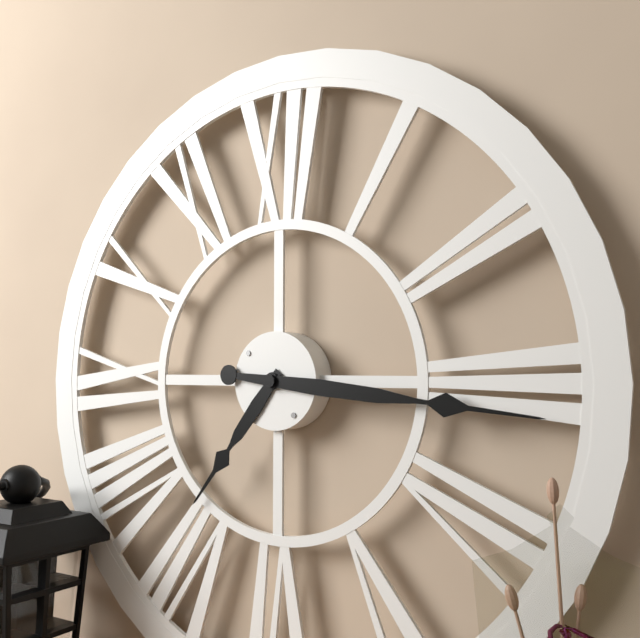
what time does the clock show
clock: 7:16
